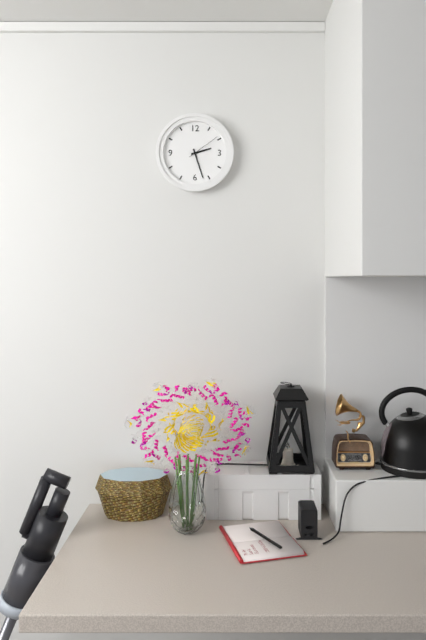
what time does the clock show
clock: 2:27
